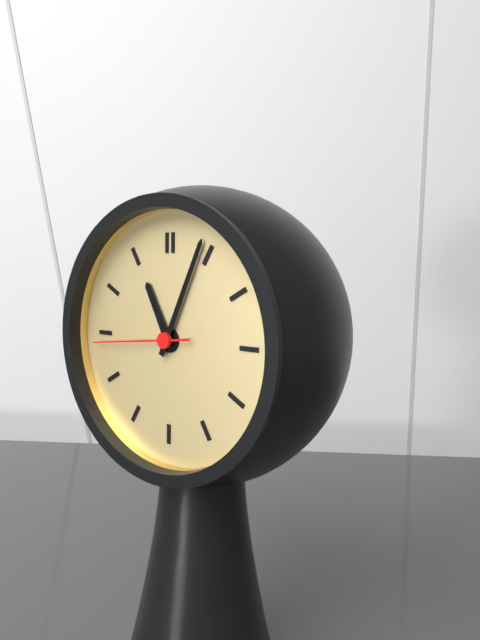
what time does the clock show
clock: 11:04:44
